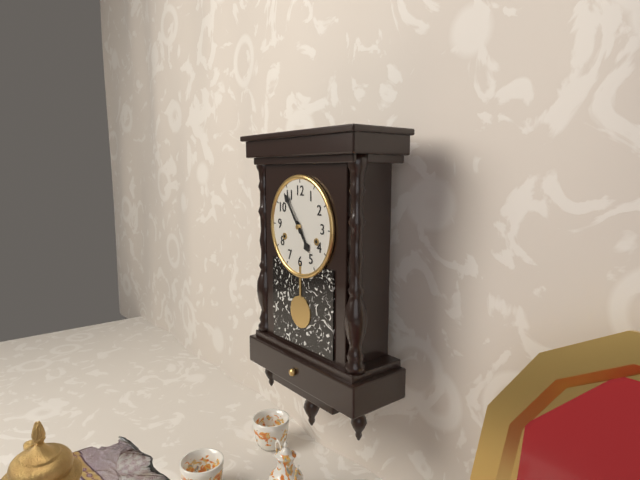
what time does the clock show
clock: 4:54
